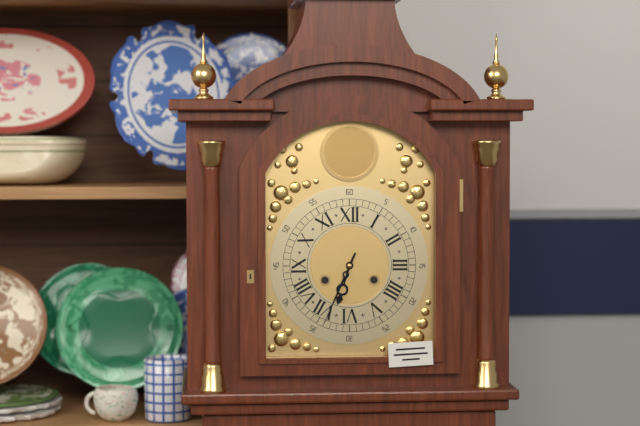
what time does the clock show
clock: 6:34
